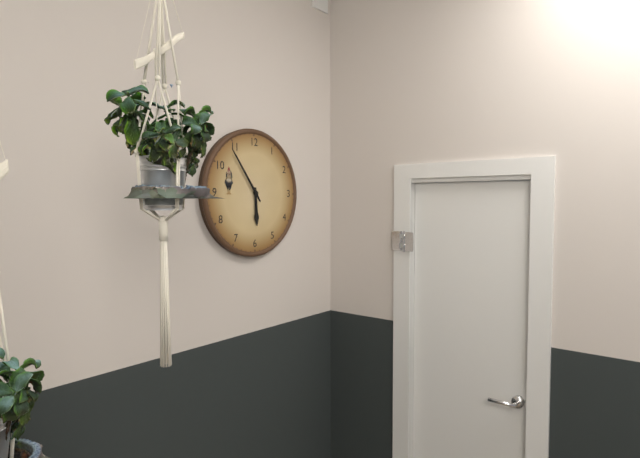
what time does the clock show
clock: 5:54
